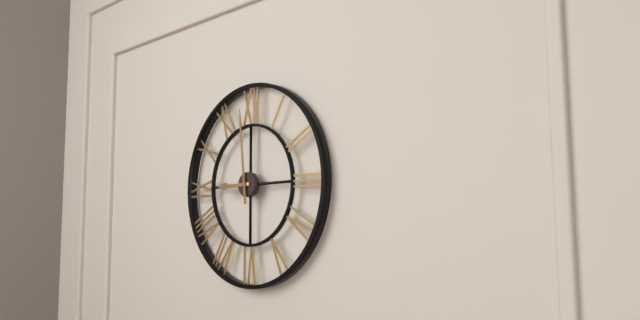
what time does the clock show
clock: 8:59
